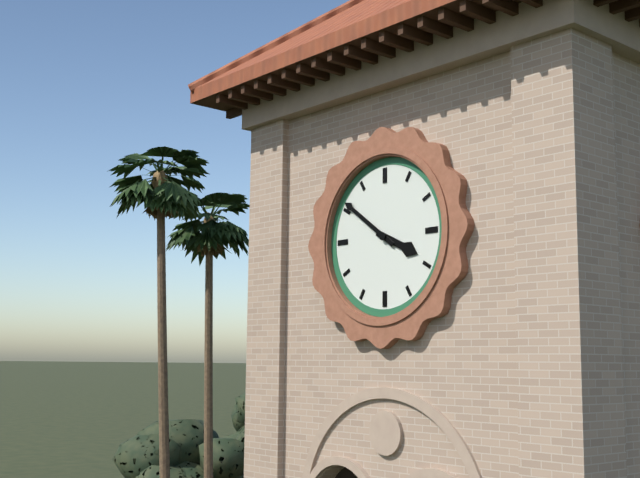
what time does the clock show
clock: 3:51
